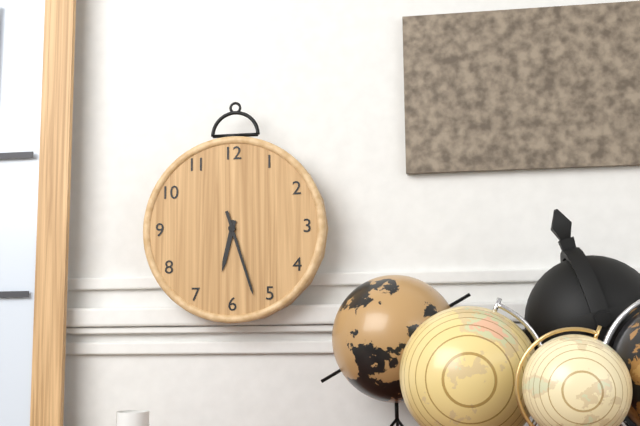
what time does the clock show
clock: 6:27
